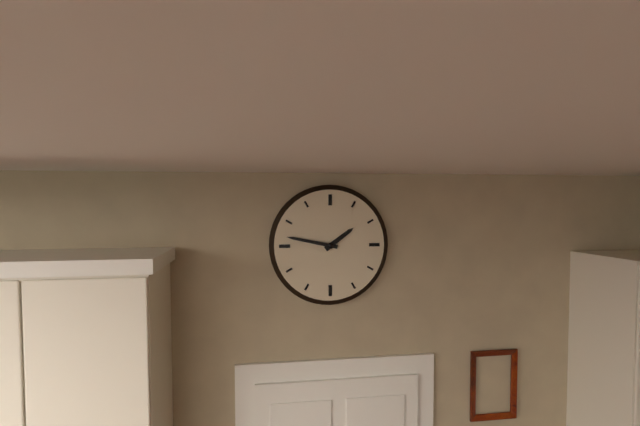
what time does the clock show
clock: 1:47
